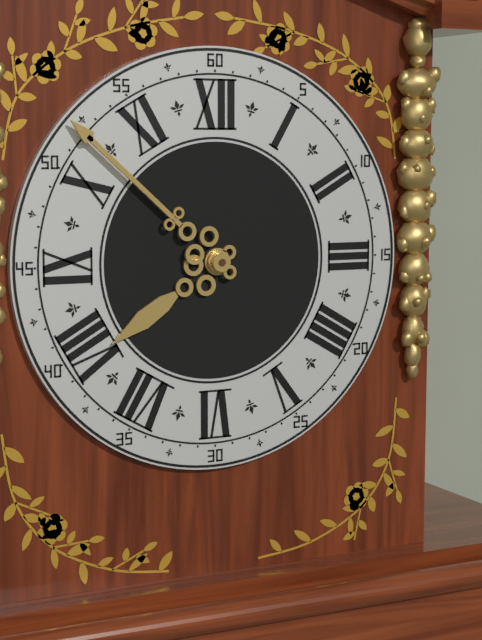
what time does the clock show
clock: 7:52
